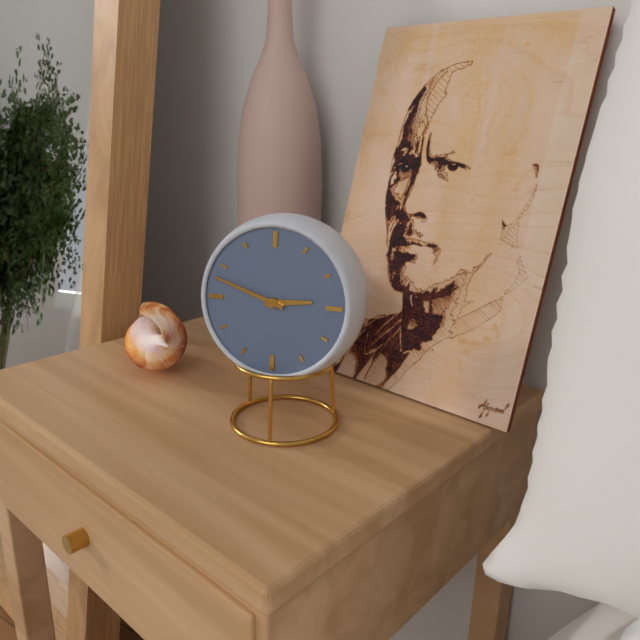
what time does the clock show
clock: 2:48
